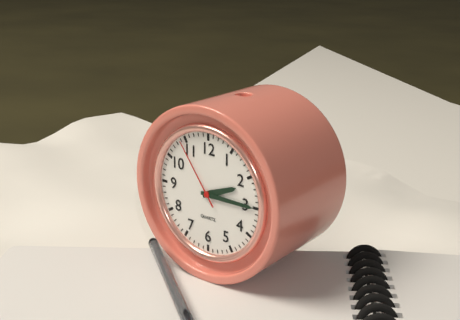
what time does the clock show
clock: 2:15:54
